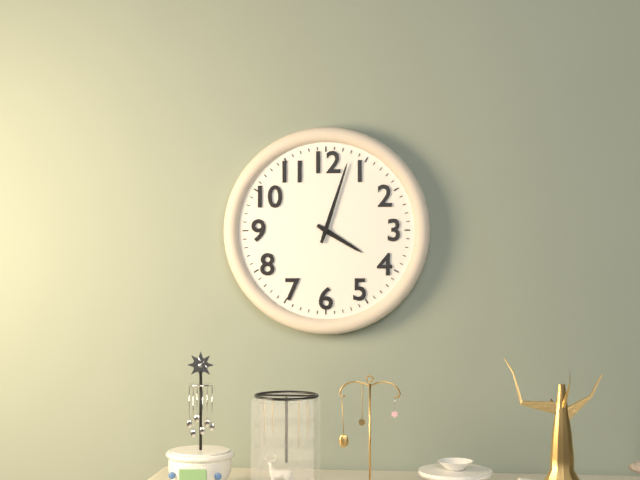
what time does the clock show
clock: 4:03
